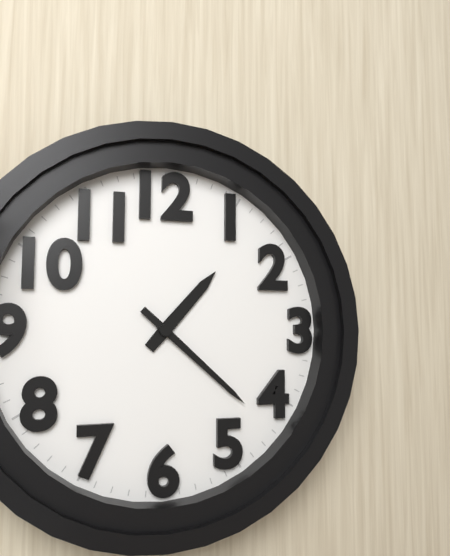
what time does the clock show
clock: 1:22
